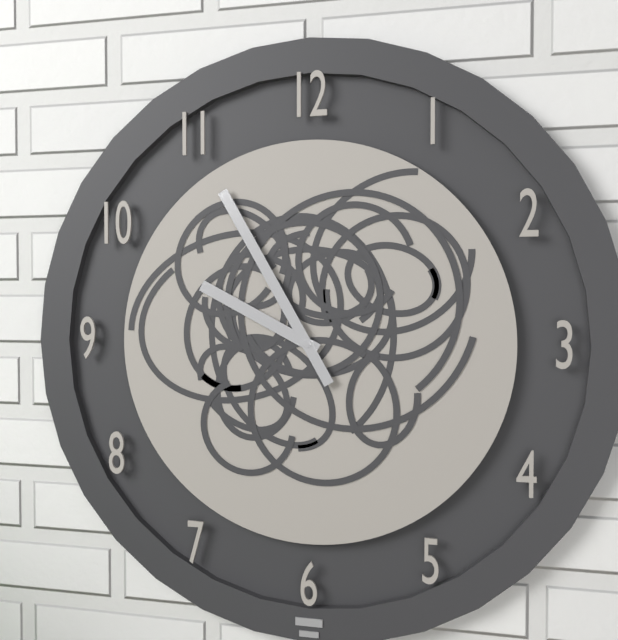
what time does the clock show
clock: 9:55
